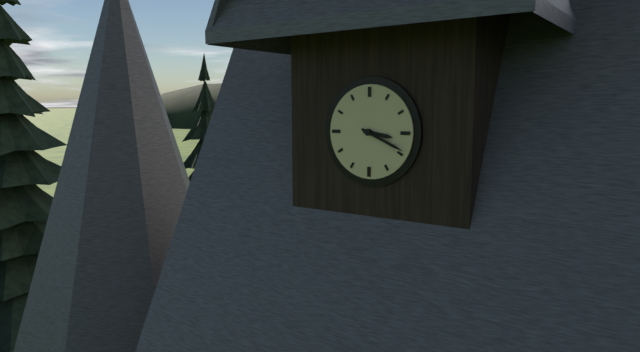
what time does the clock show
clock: 3:19
